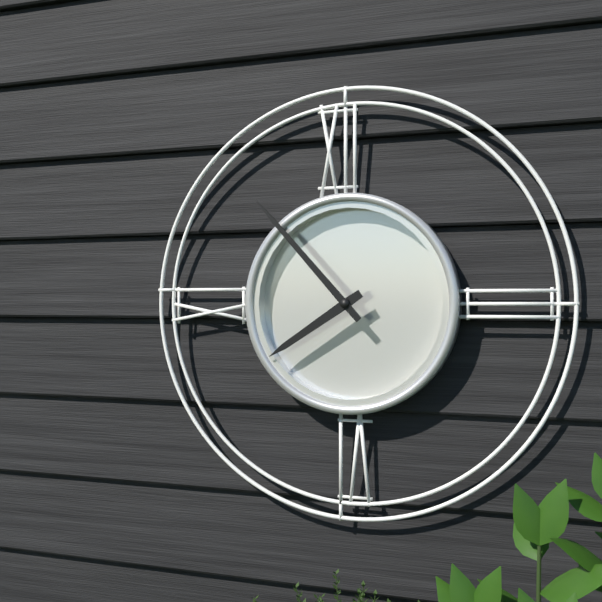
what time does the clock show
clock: 7:53
